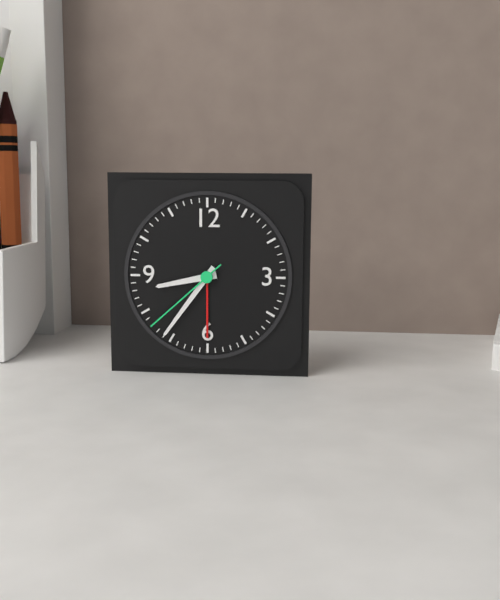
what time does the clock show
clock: 8:36:38
